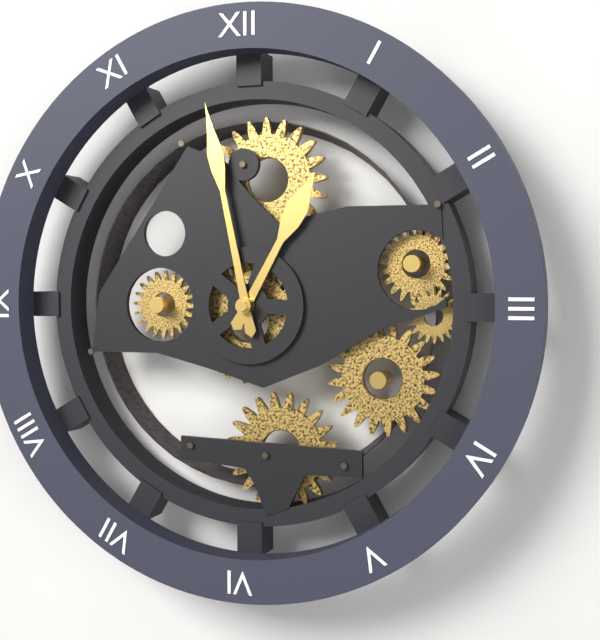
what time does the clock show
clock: 12:58
